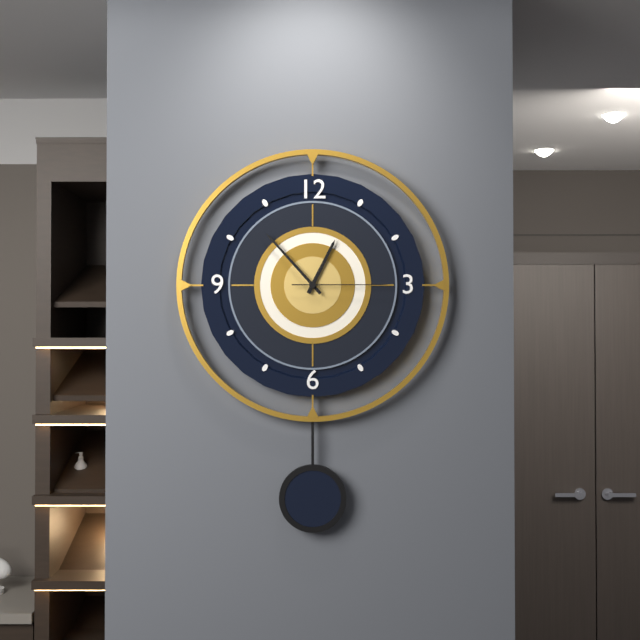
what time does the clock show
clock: 12:53:15
